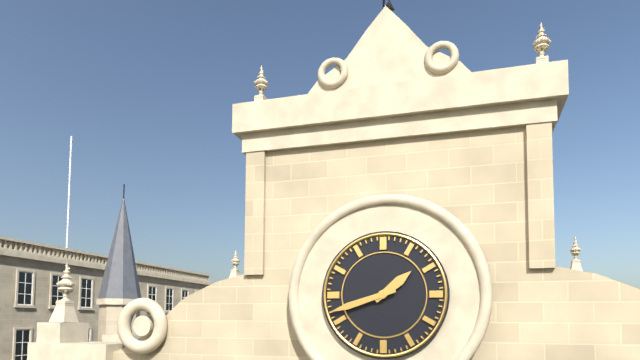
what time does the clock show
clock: 1:42
